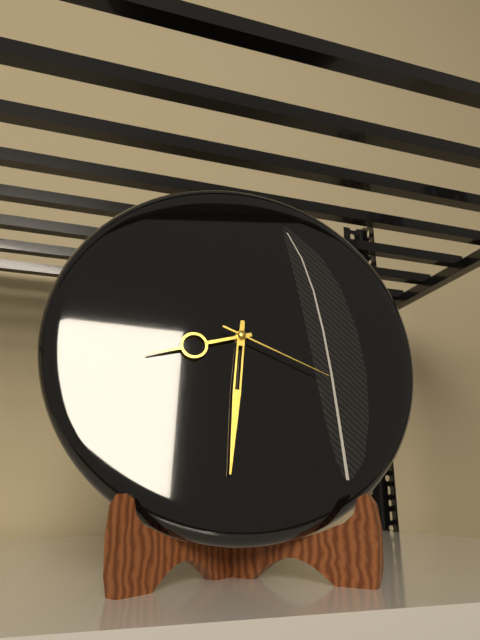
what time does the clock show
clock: 8:31:19
